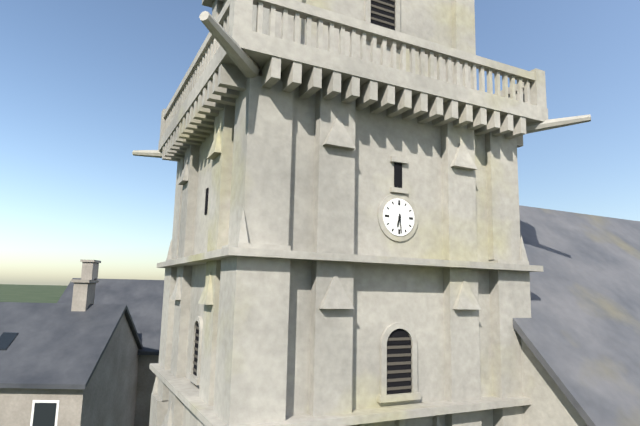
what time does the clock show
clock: 6:29
